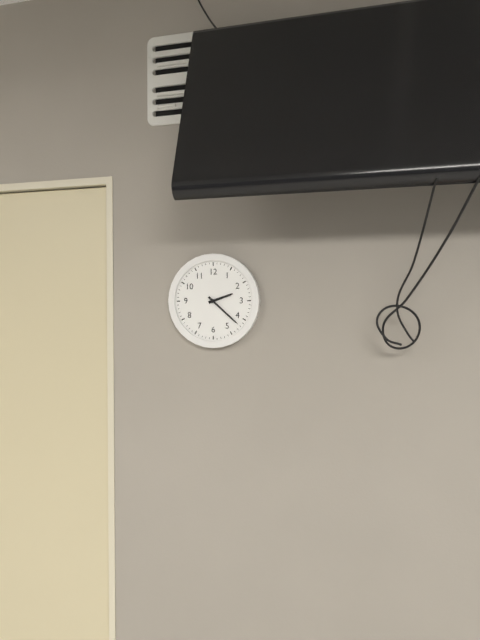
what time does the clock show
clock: 2:22
